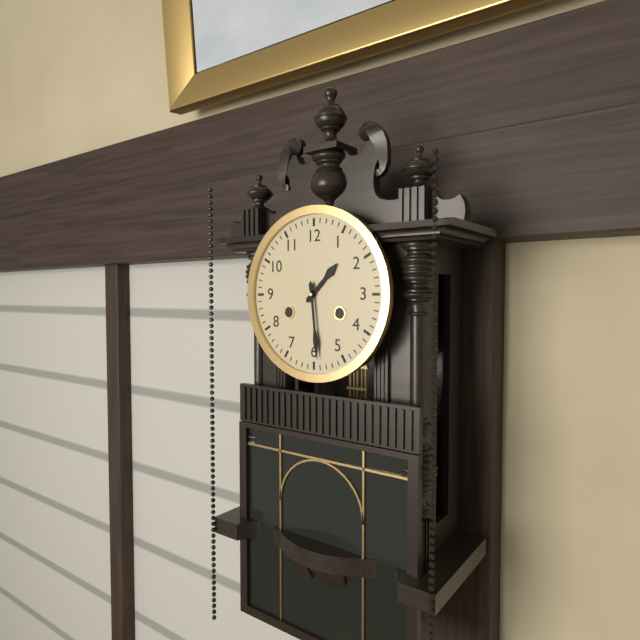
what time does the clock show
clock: 1:29
